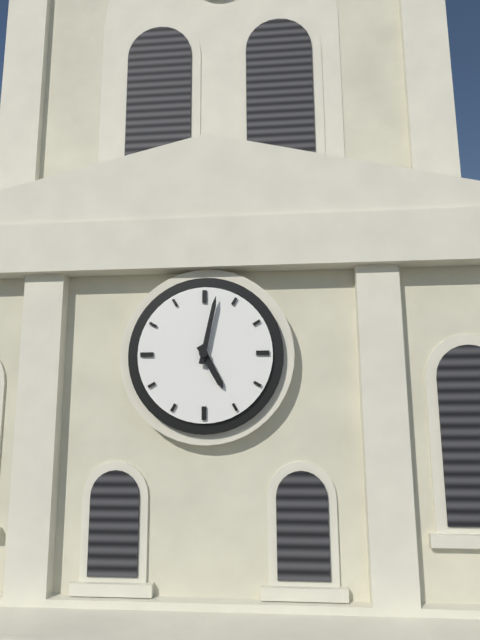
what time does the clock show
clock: 5:02
